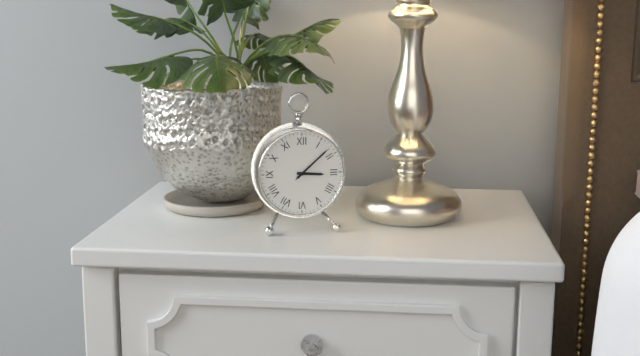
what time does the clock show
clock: 3:08
